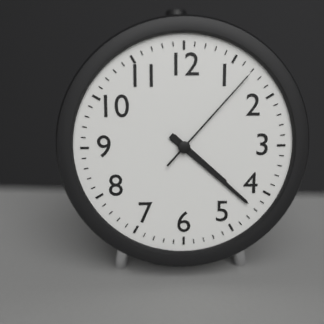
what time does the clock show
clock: 4:22:07
